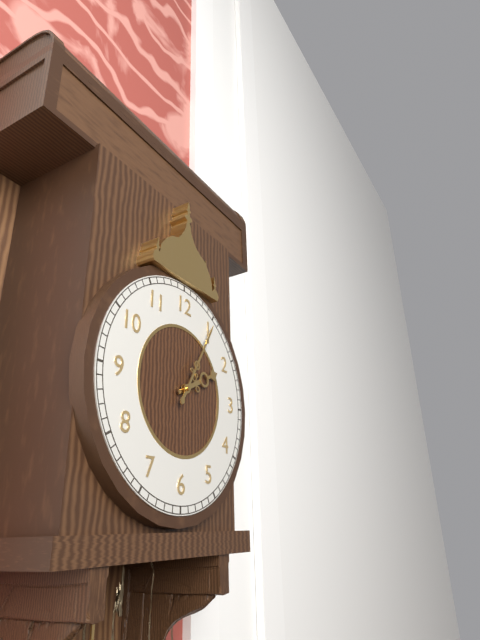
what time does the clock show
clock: 2:05
